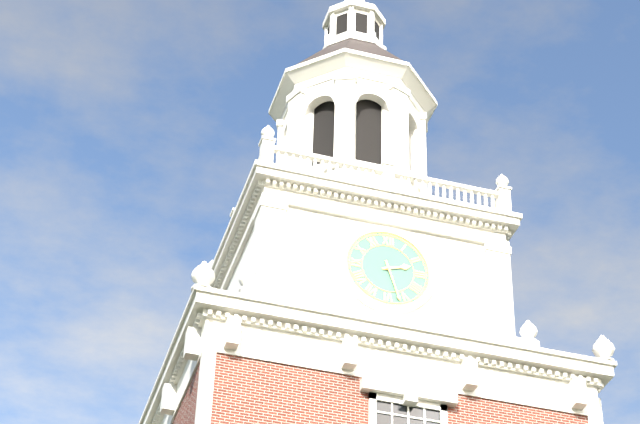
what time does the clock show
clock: 2:27
